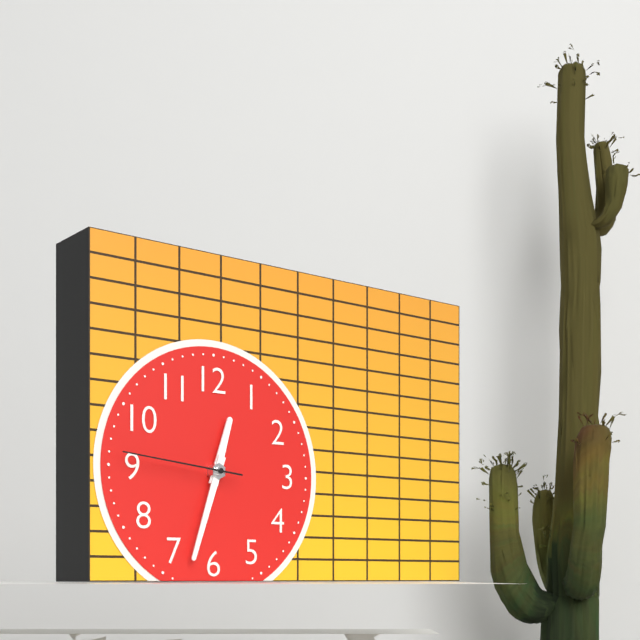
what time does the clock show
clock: 12:33:46
